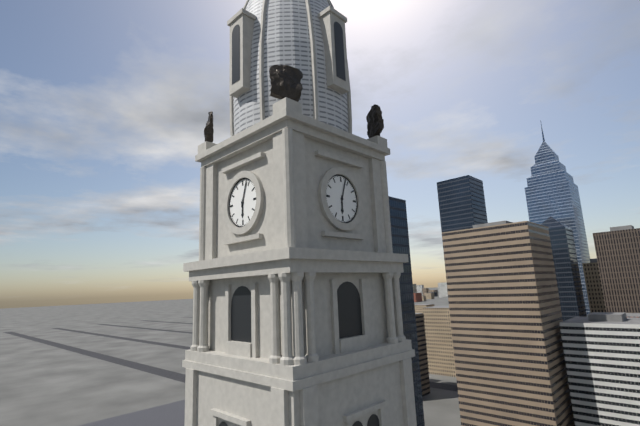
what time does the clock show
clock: 6:03
